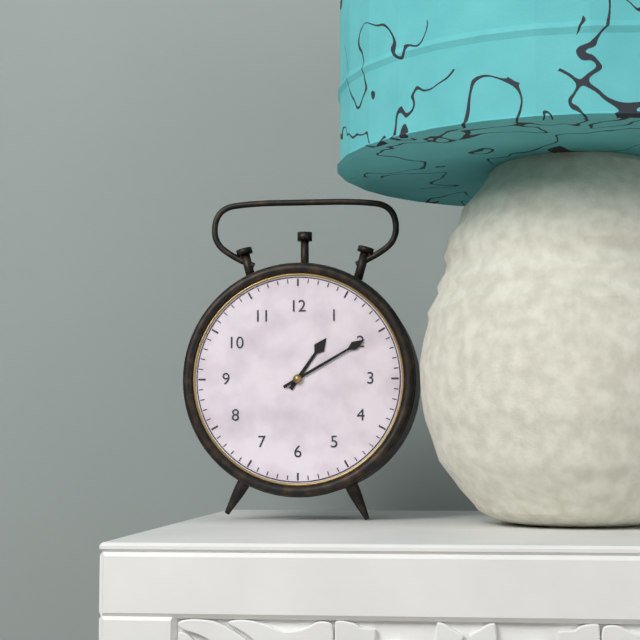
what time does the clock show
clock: 1:10
